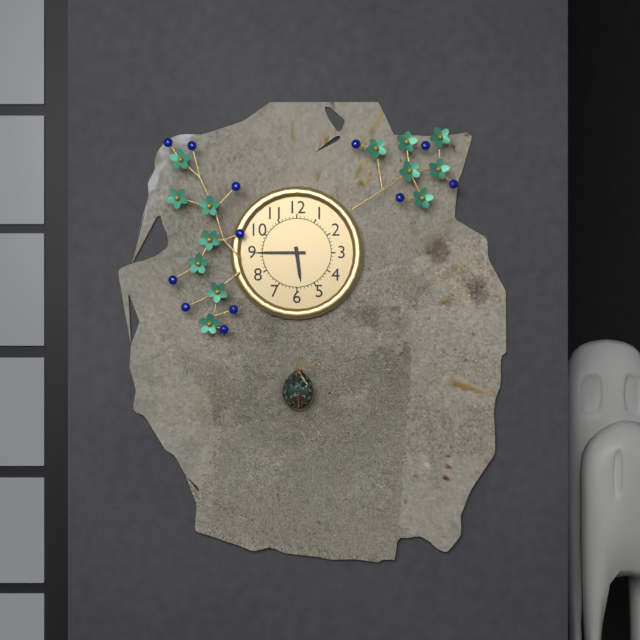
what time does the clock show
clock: 5:45
